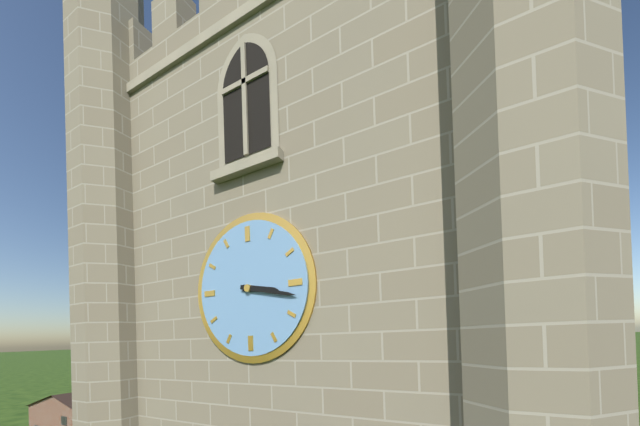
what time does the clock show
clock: 3:17
